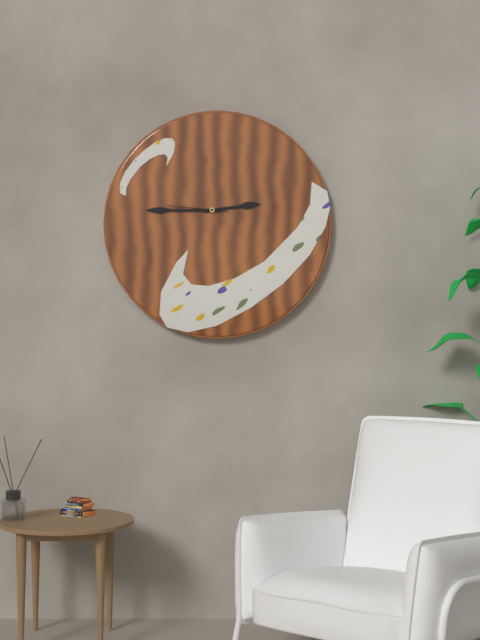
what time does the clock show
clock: 2:45:46
